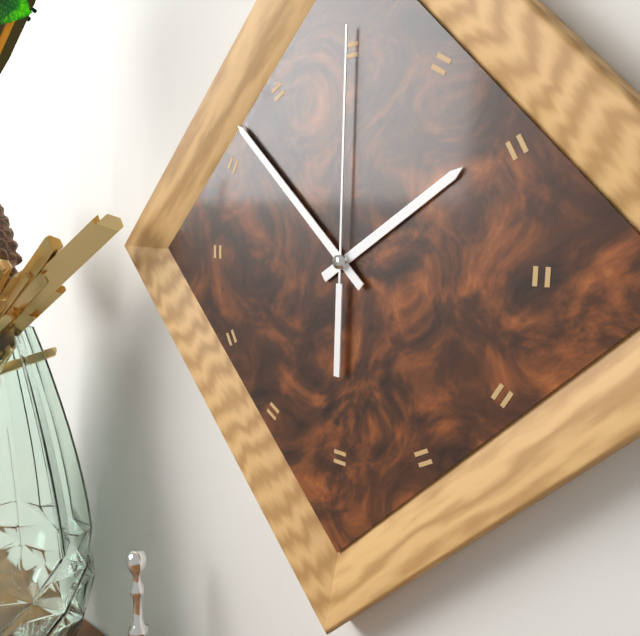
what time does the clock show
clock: 1:52:00
